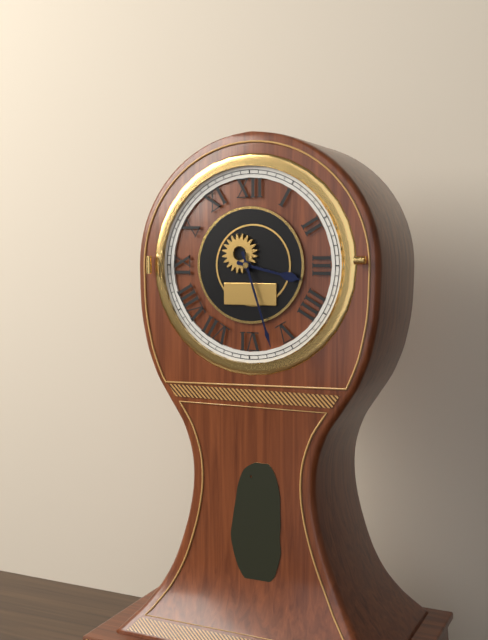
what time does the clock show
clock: 3:27
